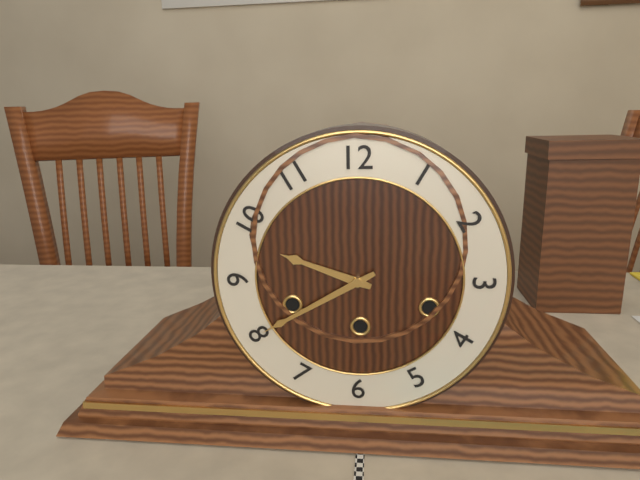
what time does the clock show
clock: 9:40
